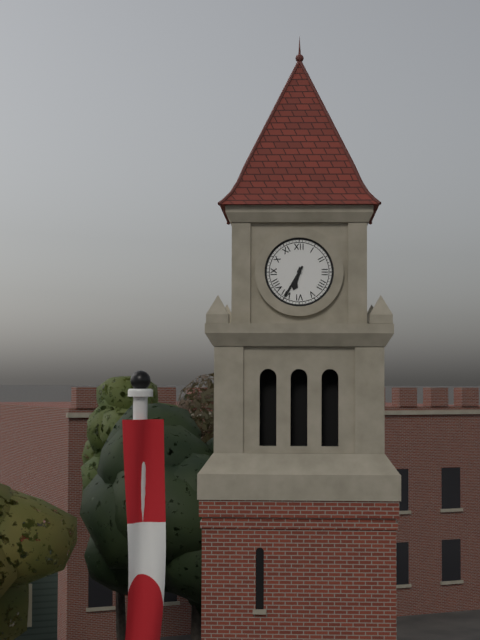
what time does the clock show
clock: 6:35
